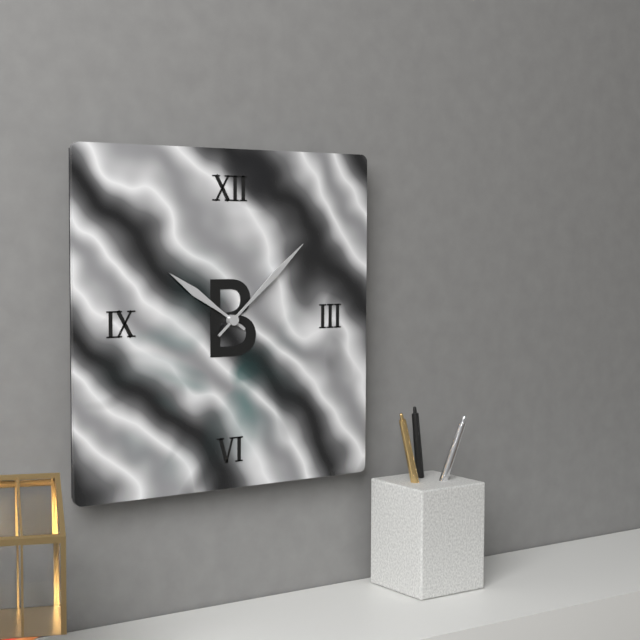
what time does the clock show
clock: 10:08
